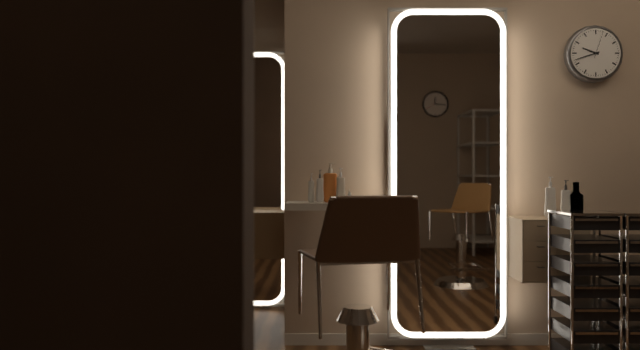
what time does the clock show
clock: 9:42
